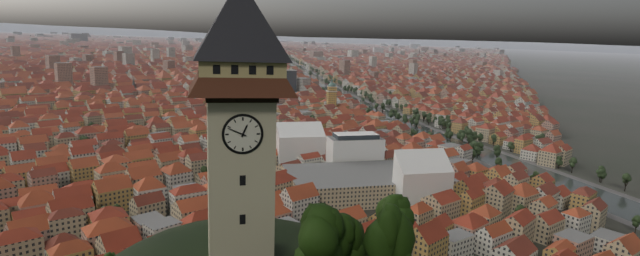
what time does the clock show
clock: 12:49
